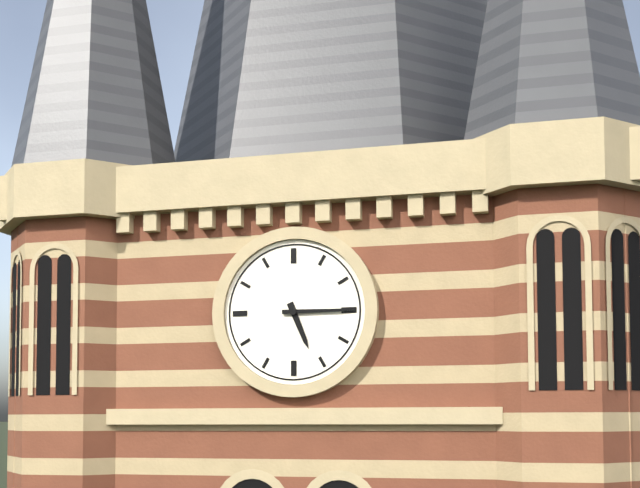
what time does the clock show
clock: 5:15
